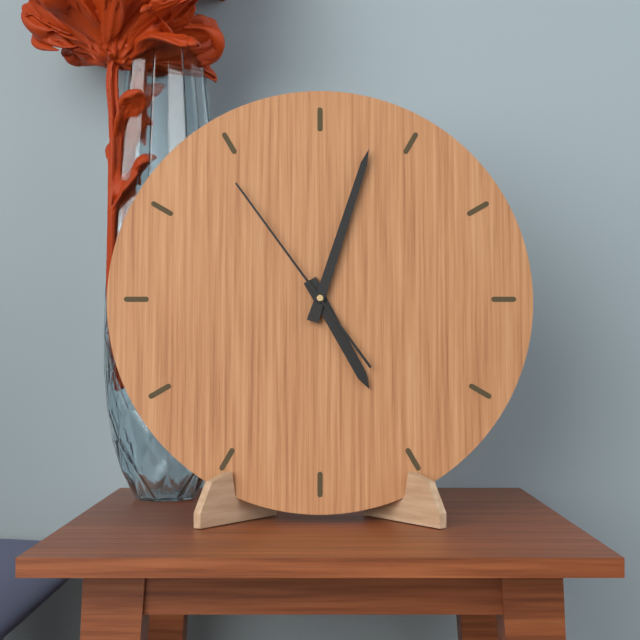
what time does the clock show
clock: 5:03:54
